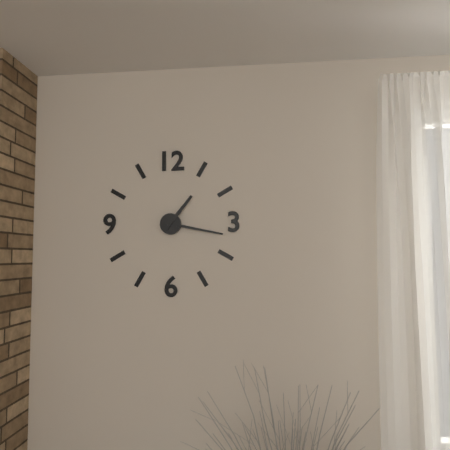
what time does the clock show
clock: 1:17
